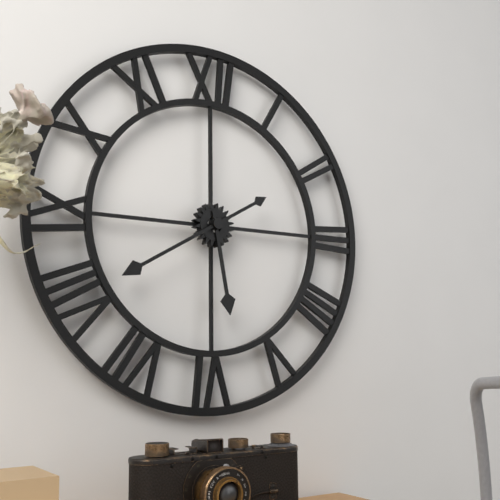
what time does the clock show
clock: 5:40
